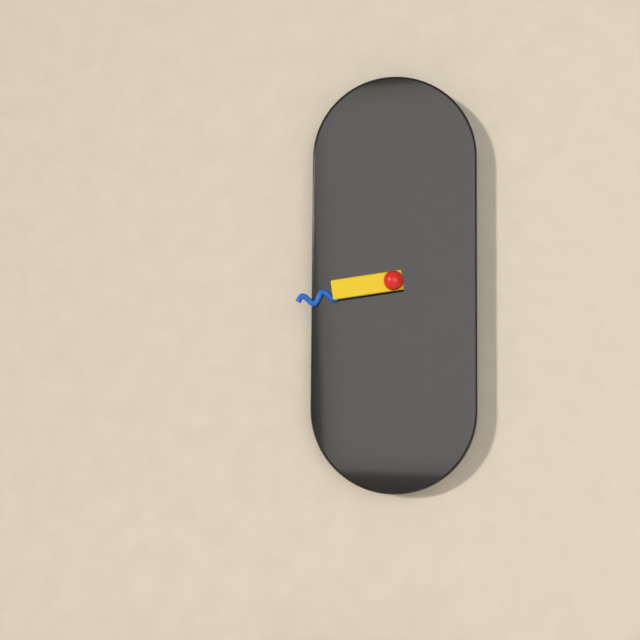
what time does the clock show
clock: 8:43
